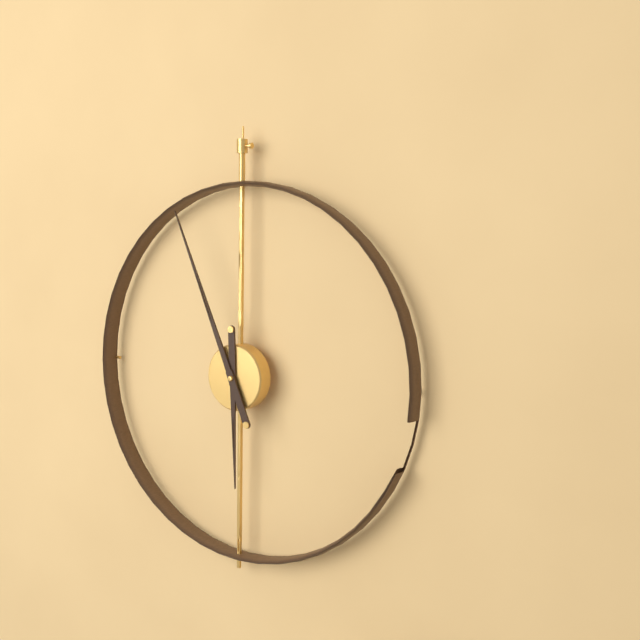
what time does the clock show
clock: 5:56
